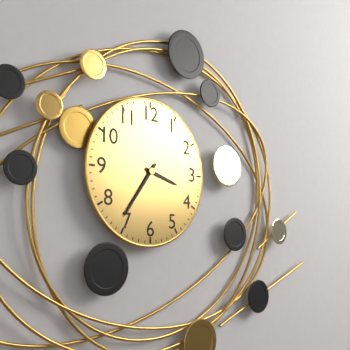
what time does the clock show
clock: 3:36
